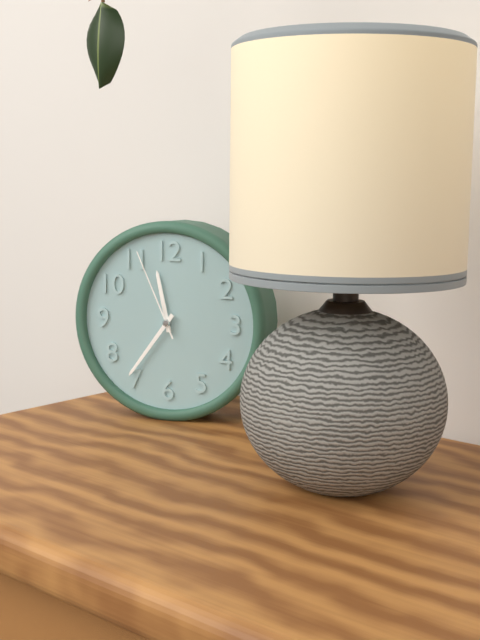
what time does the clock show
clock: 11:36:56
